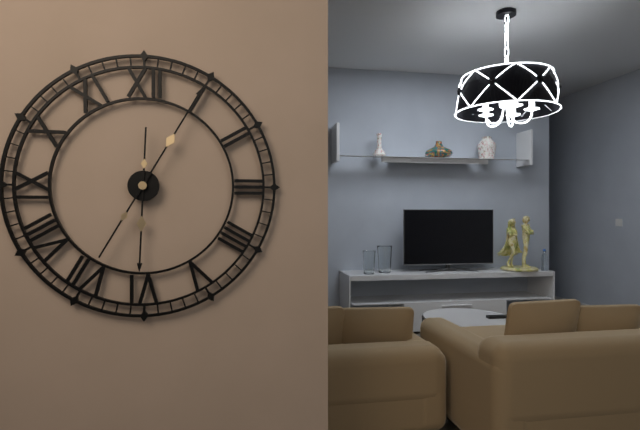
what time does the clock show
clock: 6:05
